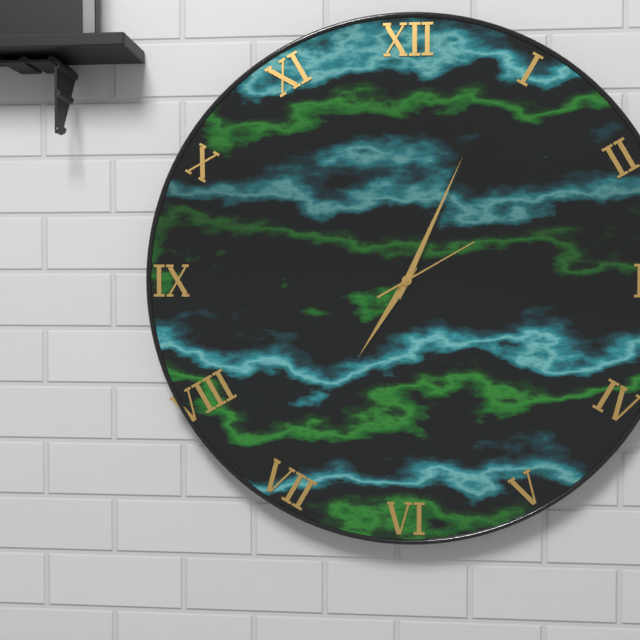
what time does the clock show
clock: 7:04:10
